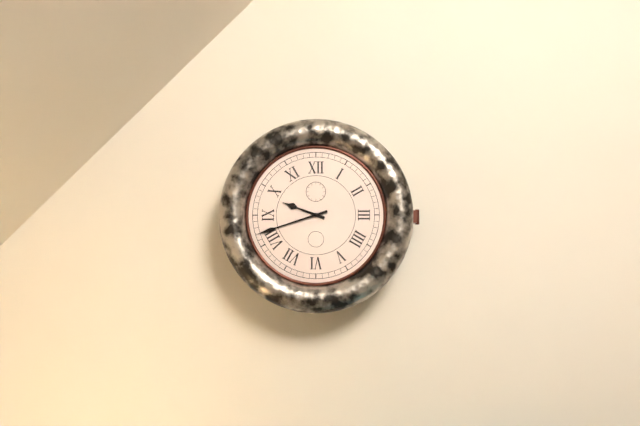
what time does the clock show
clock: 9:42
